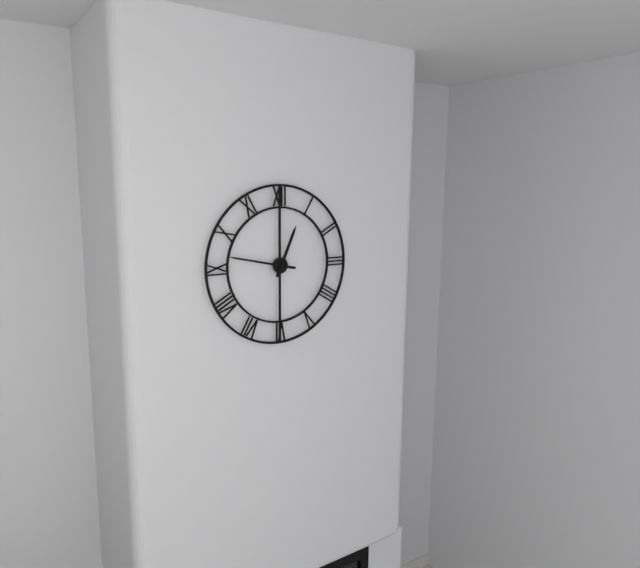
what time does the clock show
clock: 12:47
